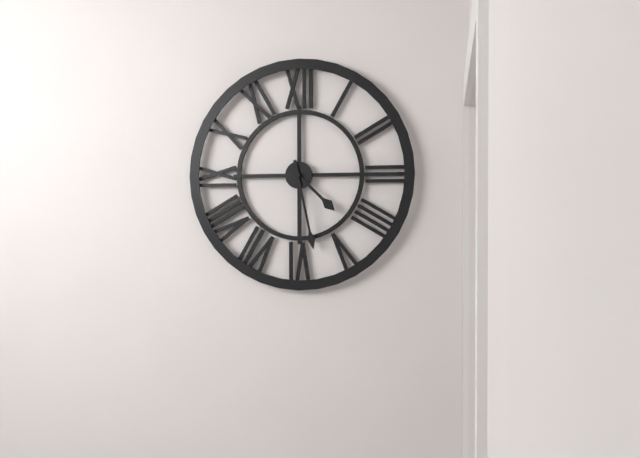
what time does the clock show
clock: 4:28
